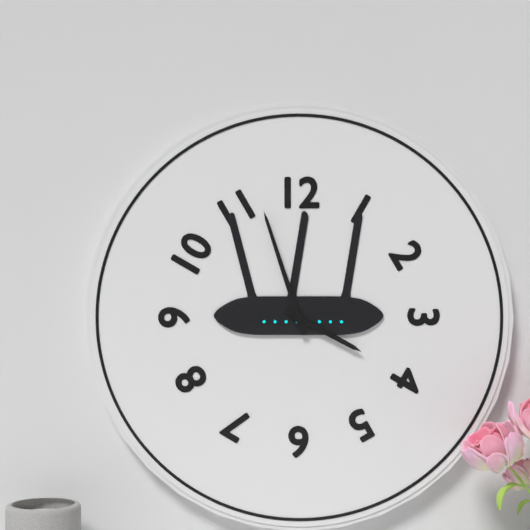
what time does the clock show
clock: 3:57
